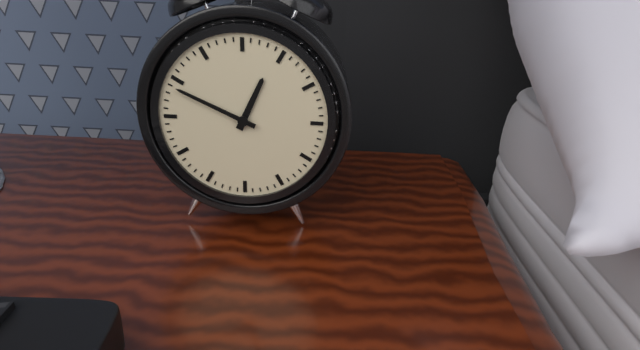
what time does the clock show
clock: 12:49
